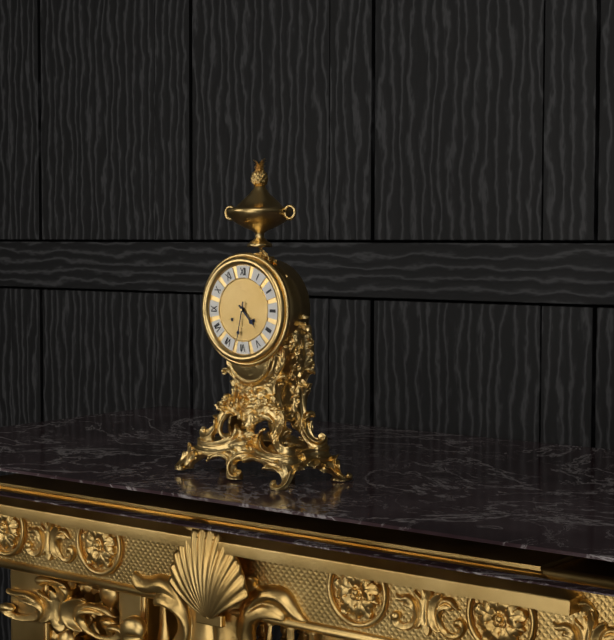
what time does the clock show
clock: 4:32
